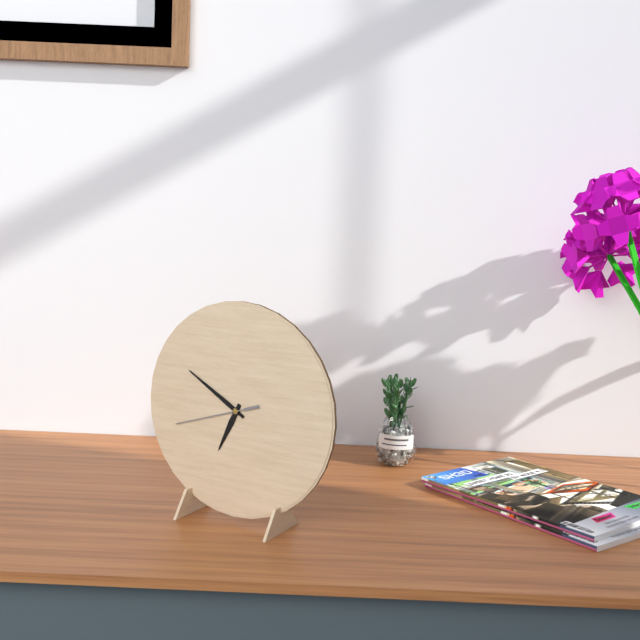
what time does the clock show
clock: 6:50:42
